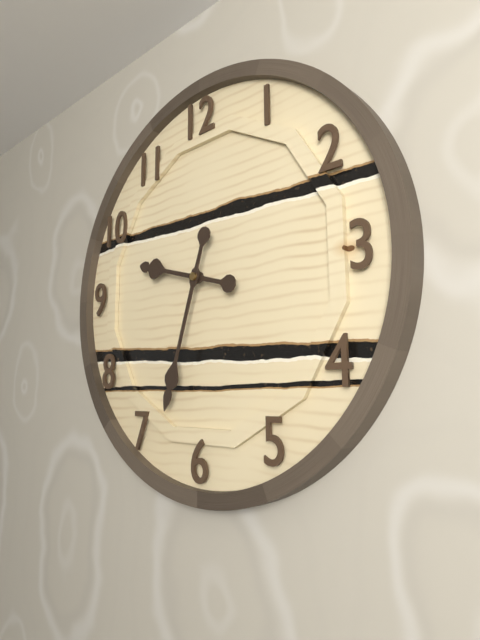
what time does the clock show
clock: 9:33
